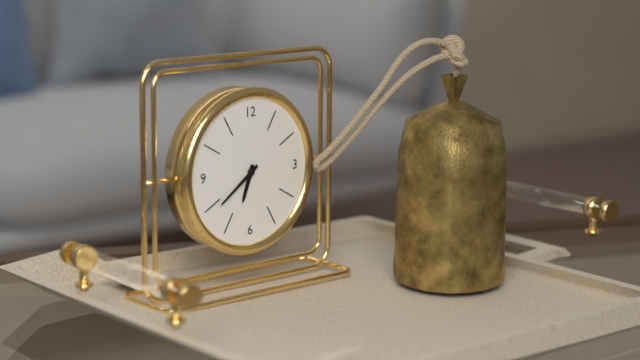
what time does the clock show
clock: 6:39
